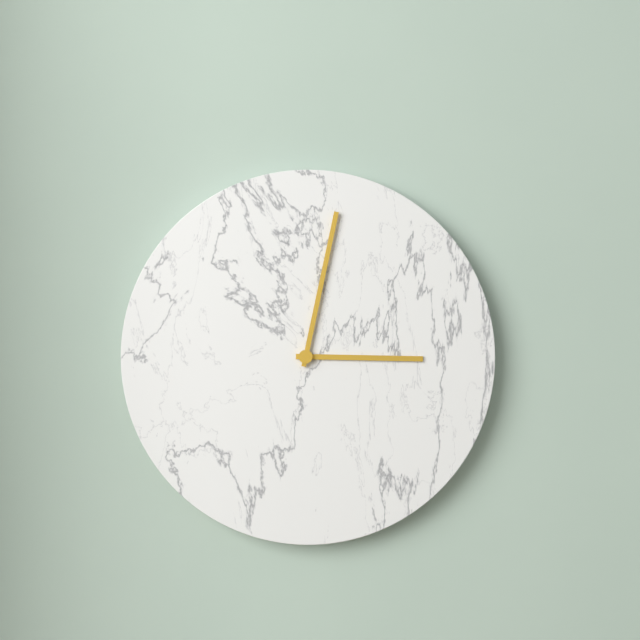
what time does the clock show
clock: 3:02
